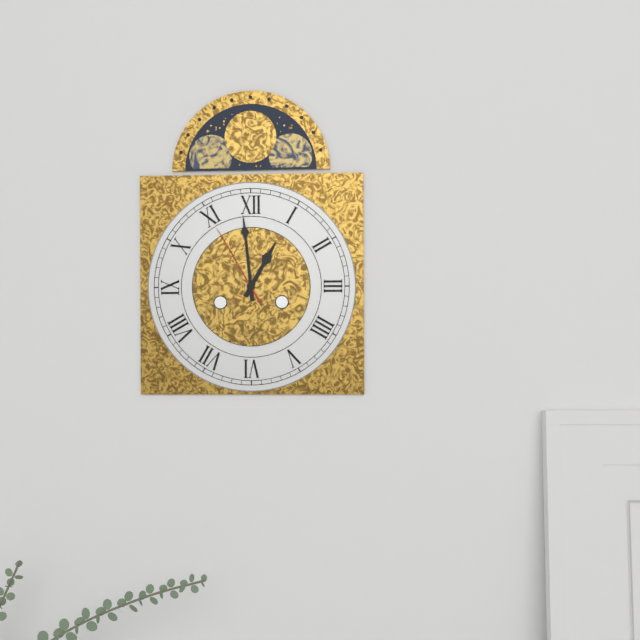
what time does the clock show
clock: 12:59:55
